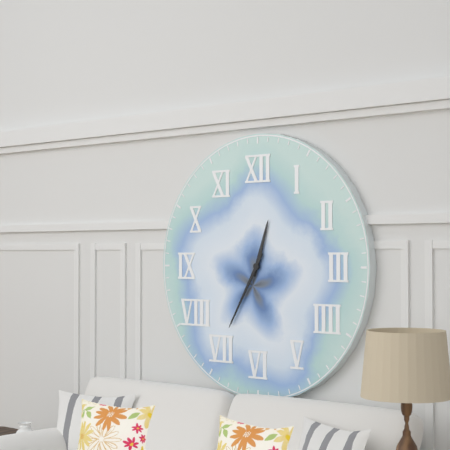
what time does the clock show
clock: 12:35
